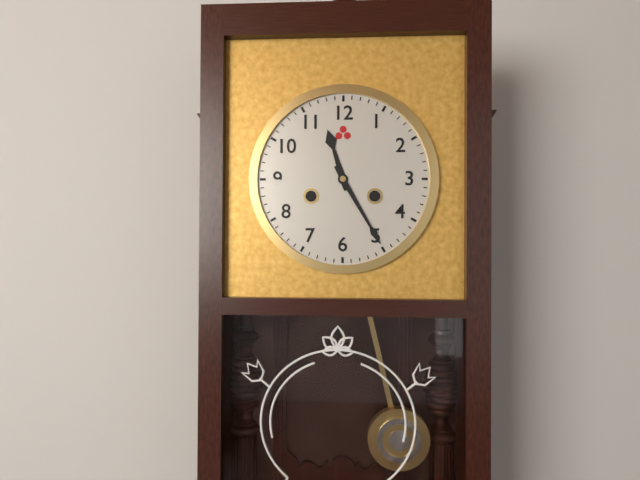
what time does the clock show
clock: 11:25
